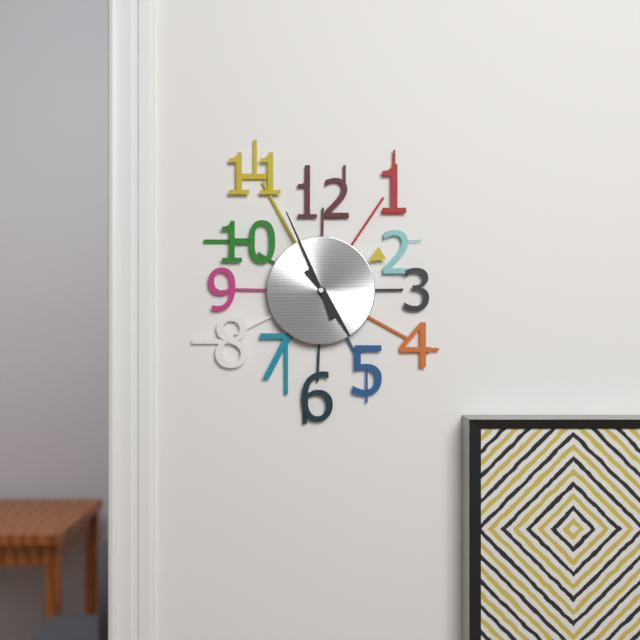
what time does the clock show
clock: 4:56
